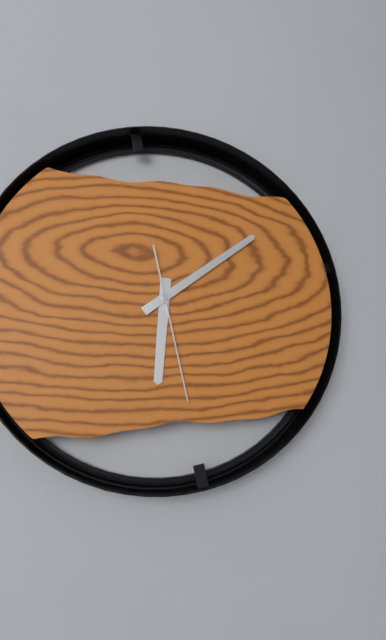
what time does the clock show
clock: 6:09:28
